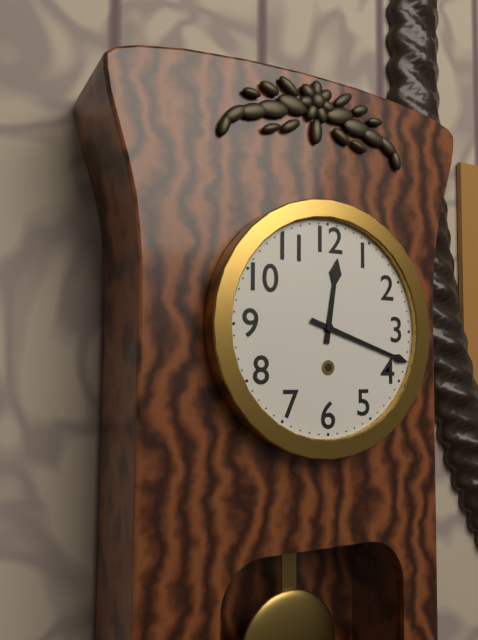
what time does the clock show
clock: 12:18
